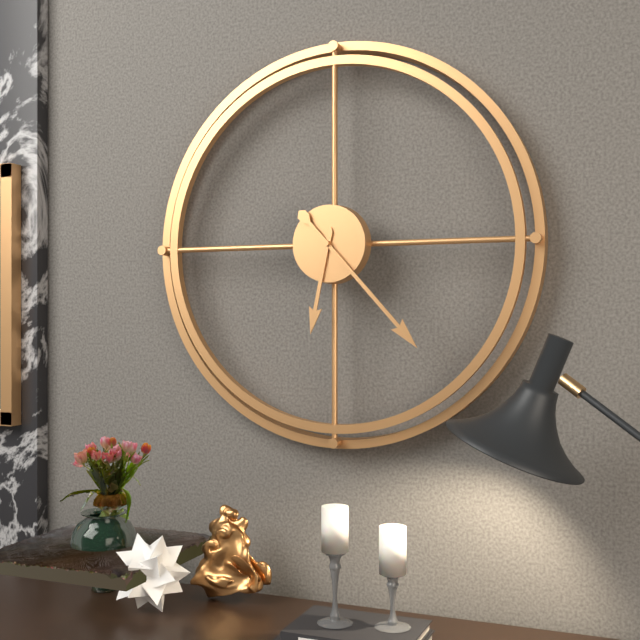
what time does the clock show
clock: 6:23
